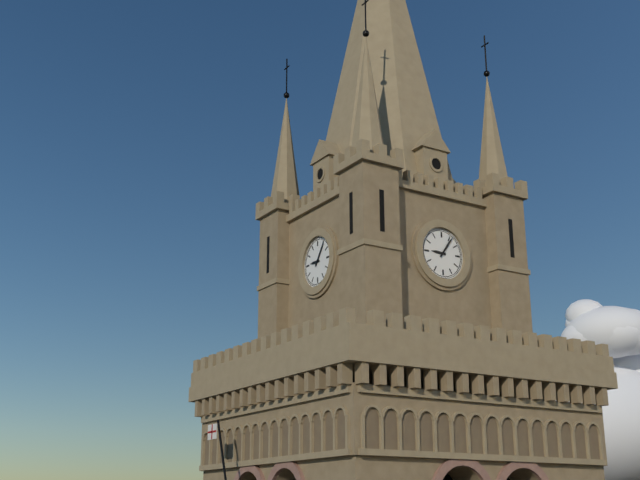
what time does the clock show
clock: 9:06
